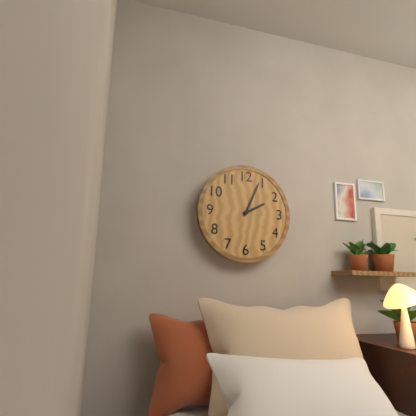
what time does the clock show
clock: 2:04
